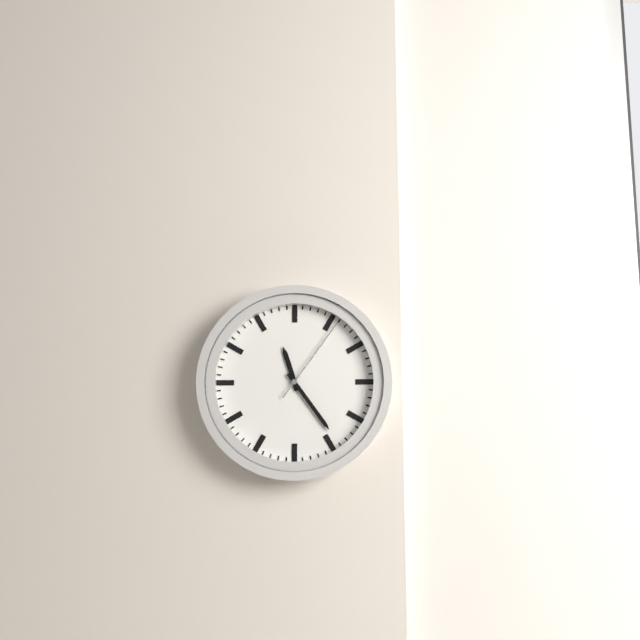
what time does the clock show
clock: 11:24:06
